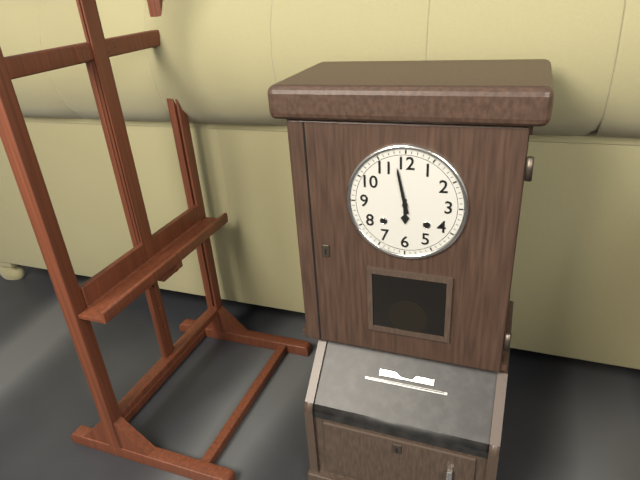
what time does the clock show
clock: 5:58
